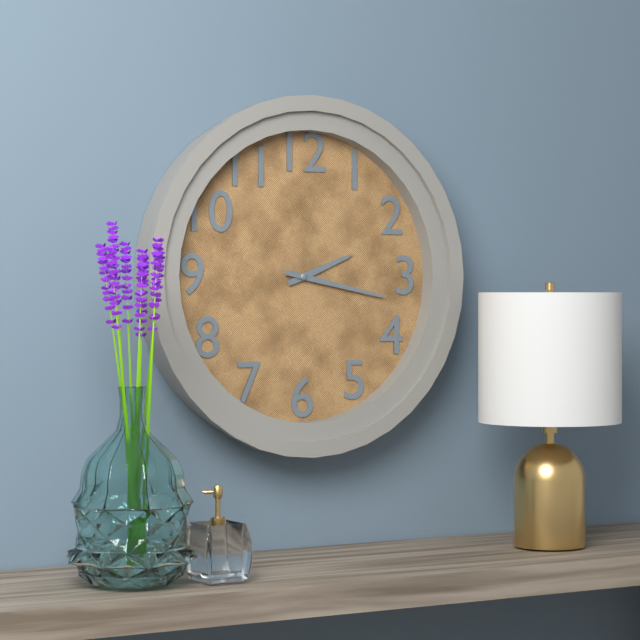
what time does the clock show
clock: 2:17
